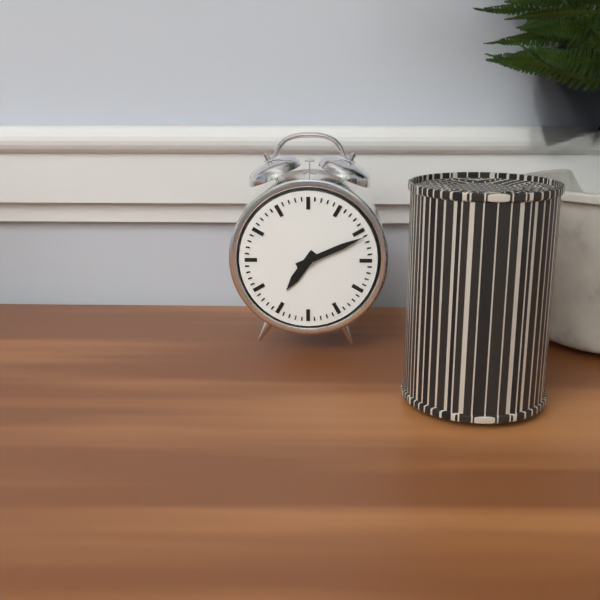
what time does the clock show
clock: 7:11
